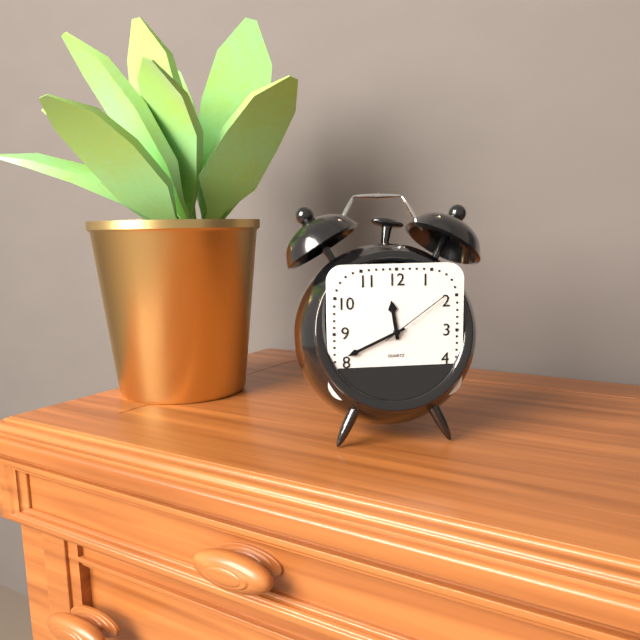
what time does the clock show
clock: 11:41:09
